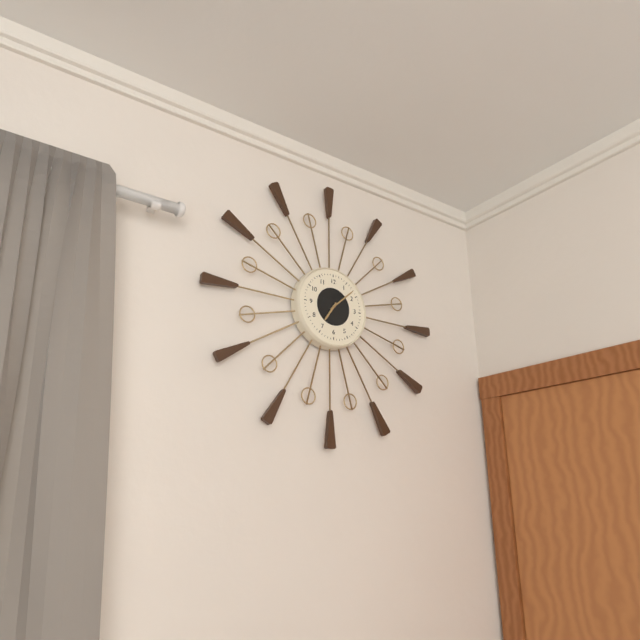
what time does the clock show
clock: 7:08
